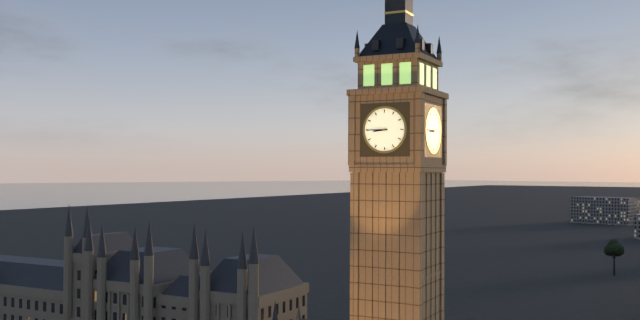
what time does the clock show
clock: 8:45
